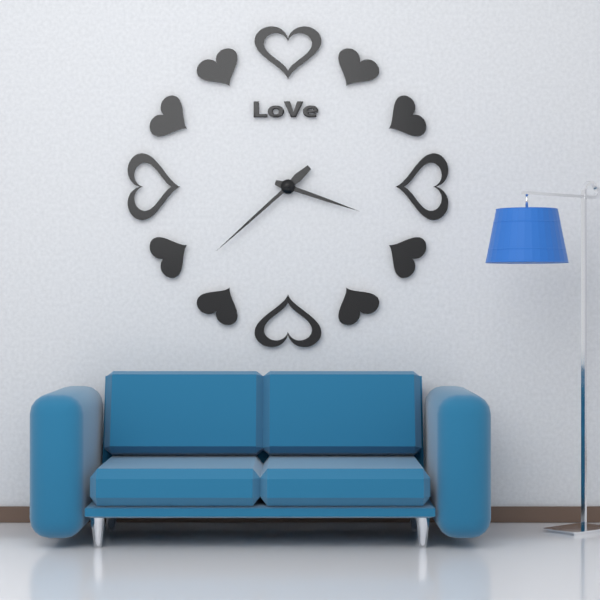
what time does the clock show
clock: 3:38
